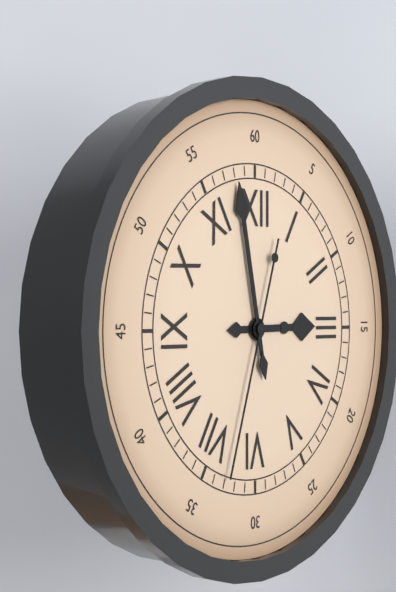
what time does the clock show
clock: 2:58:33
